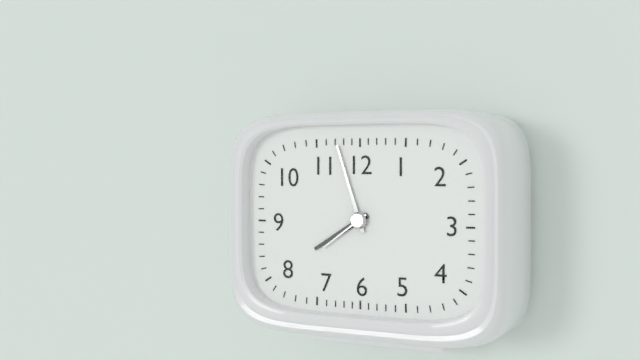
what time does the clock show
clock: 7:57:39
